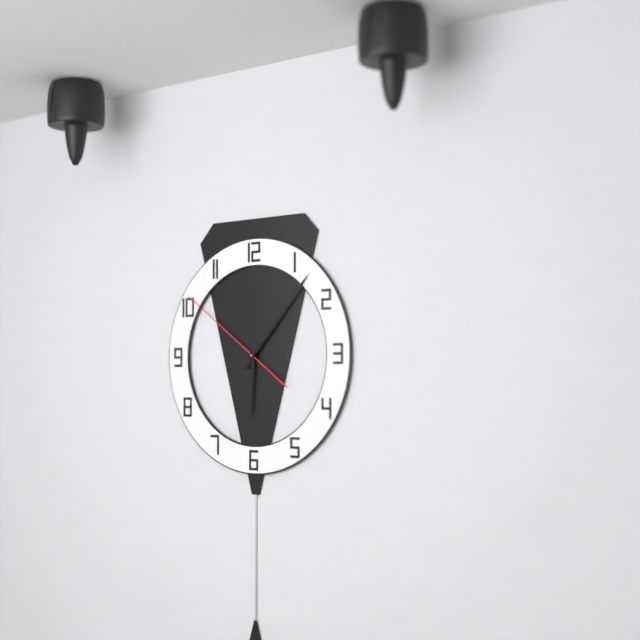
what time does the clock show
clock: 6:07:51
